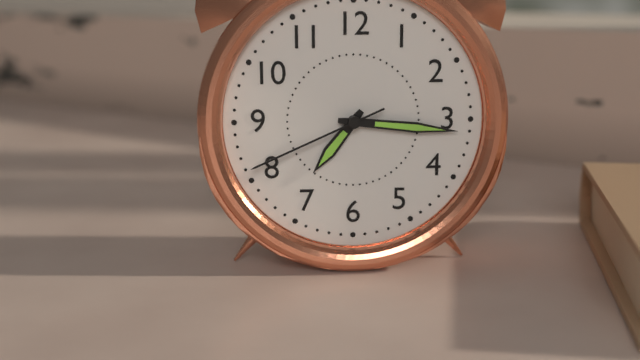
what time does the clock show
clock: 7:16:41
